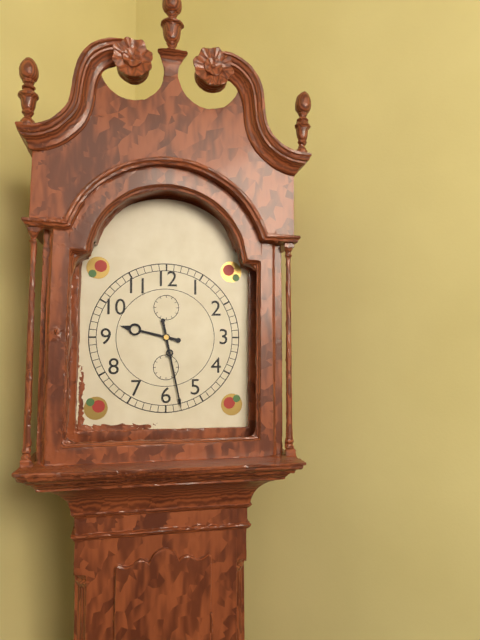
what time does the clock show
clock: 9:28
